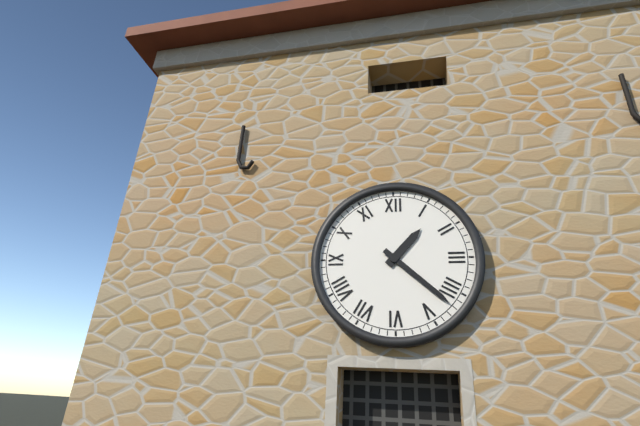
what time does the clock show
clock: 1:22
